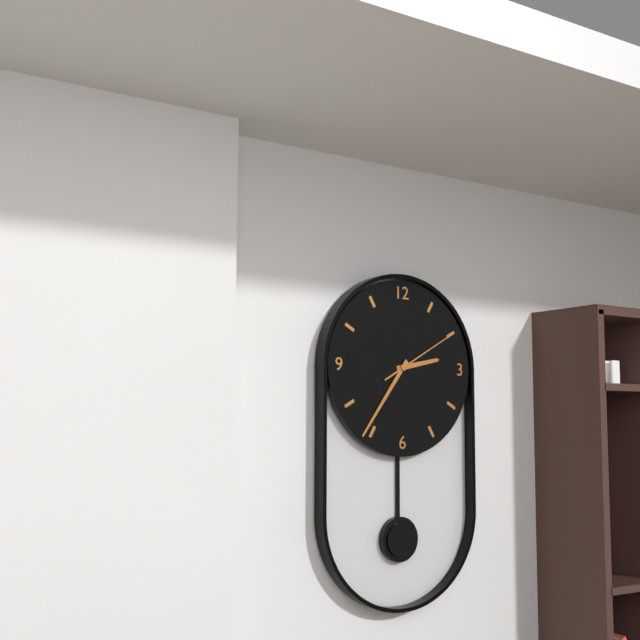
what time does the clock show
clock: 2:36:10
